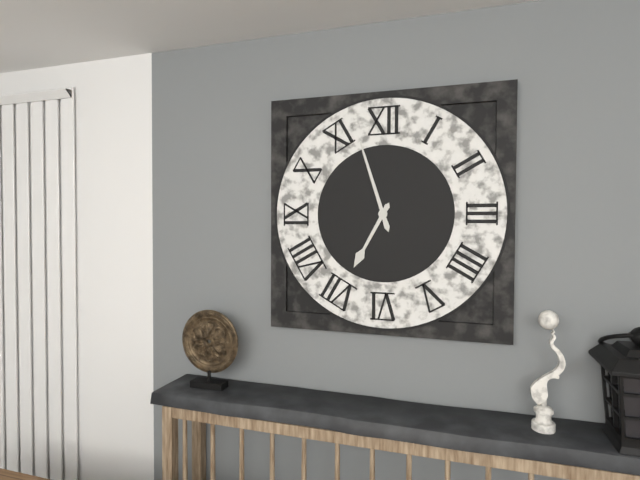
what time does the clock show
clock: 6:57
